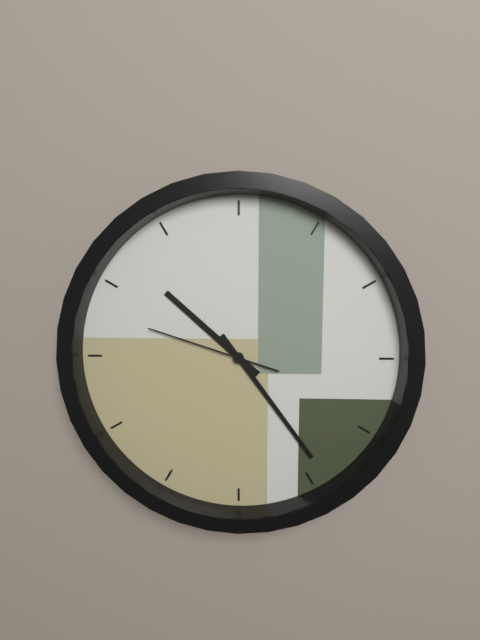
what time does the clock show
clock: 10:24:48
